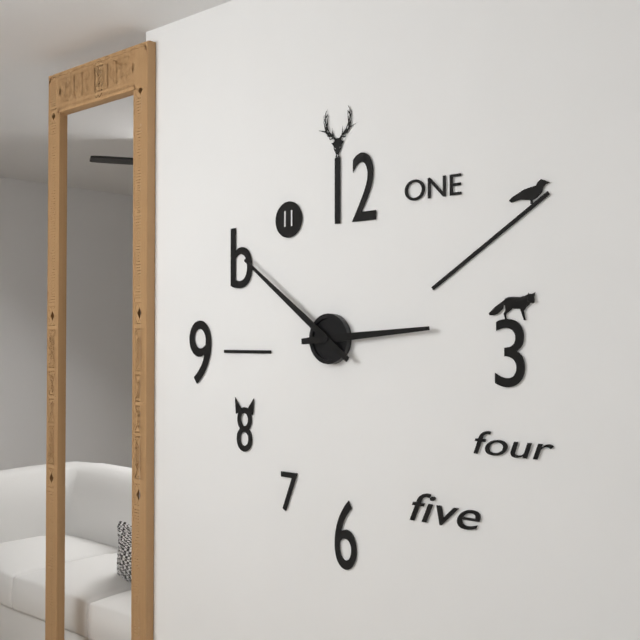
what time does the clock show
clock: 2:51
